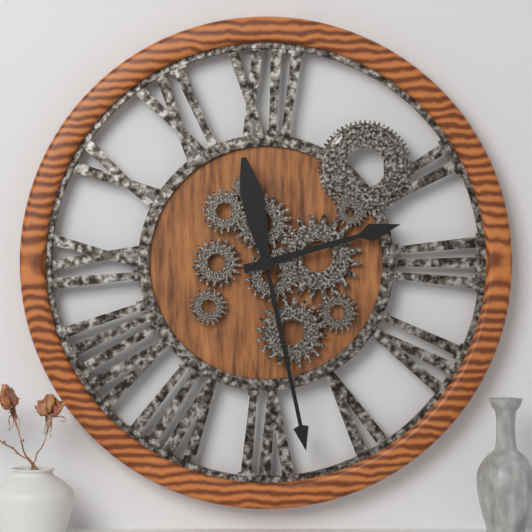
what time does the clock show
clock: 2:28
